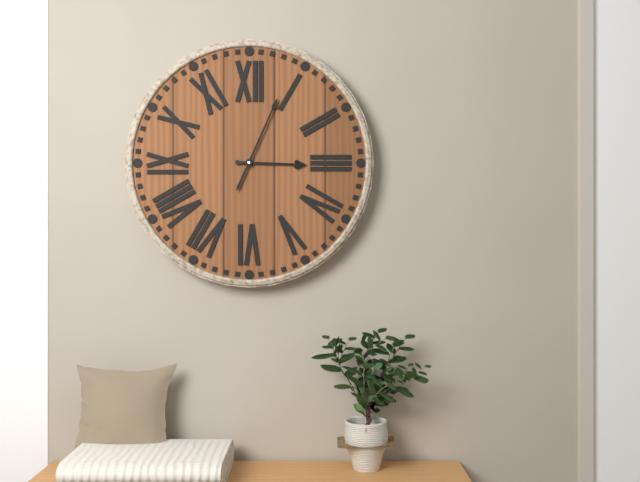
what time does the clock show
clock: 3:04
